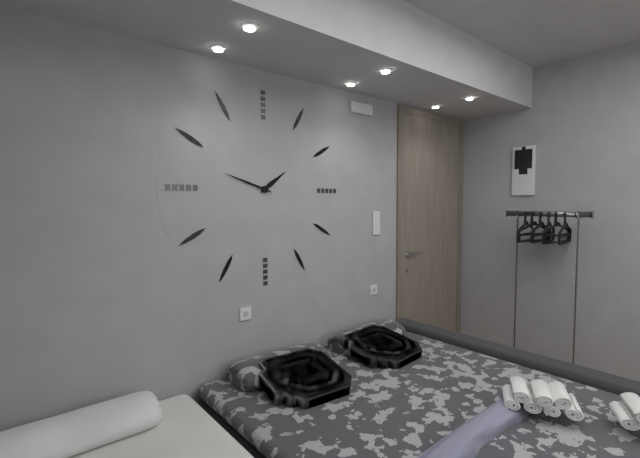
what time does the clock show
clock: 1:48
